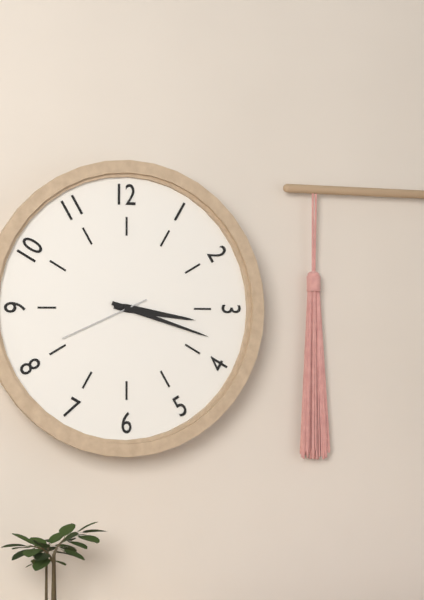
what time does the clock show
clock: 3:18:41
